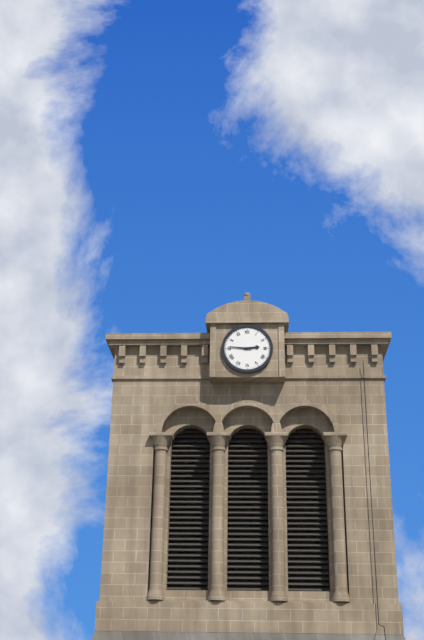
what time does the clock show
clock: 2:46
